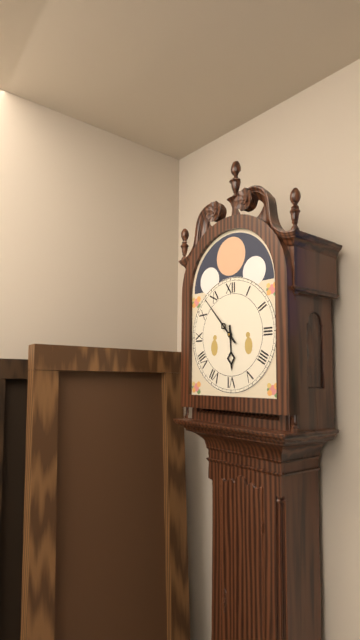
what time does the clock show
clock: 5:53
